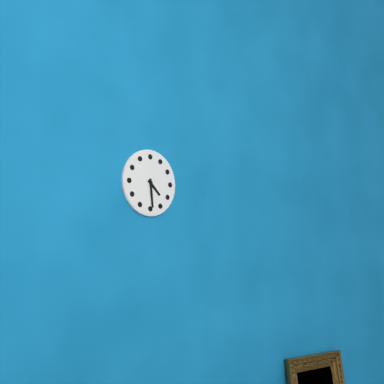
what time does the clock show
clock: 4:29
